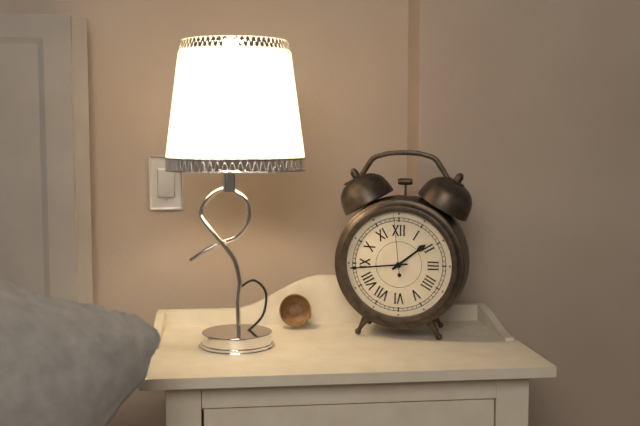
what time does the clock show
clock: 1:44:59
